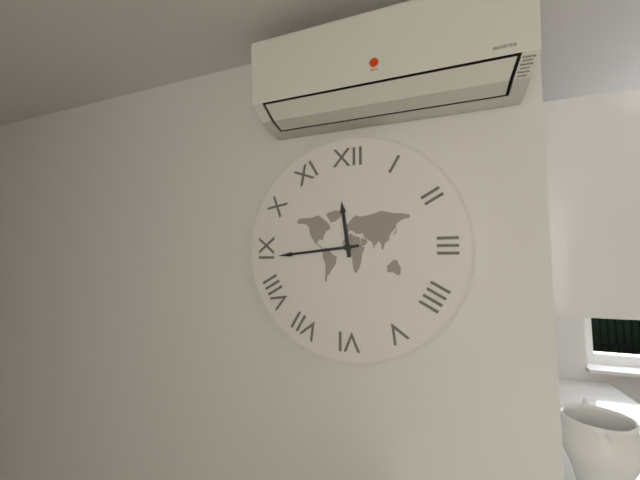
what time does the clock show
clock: 11:44
